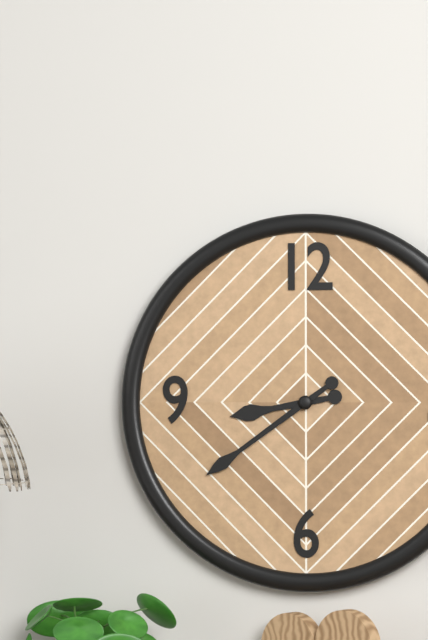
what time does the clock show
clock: 8:39
